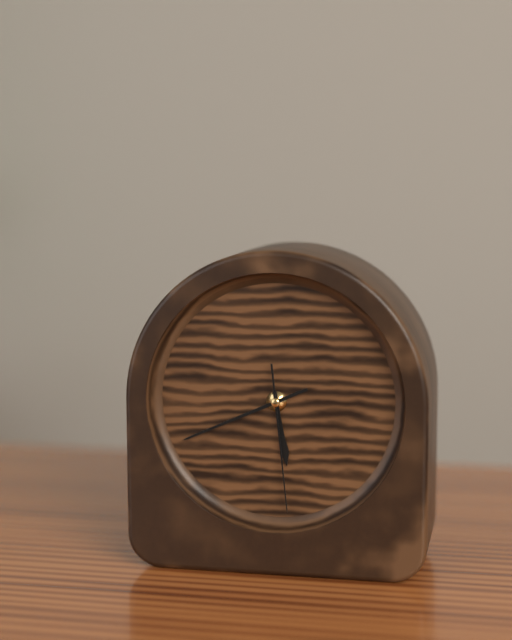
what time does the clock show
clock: 5:41:29
